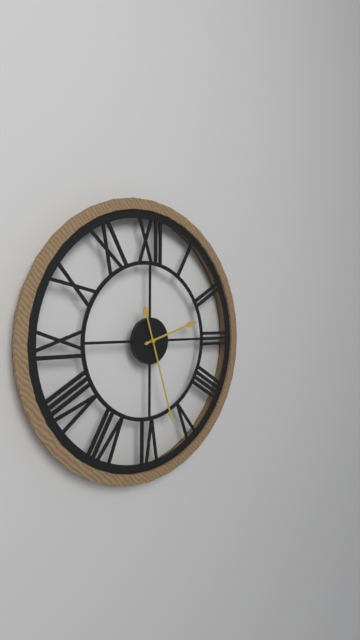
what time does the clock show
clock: 2:27
